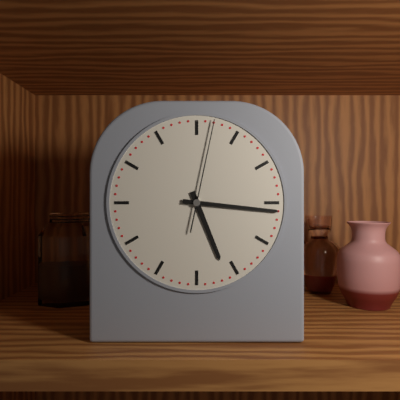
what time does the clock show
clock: 5:16:02
